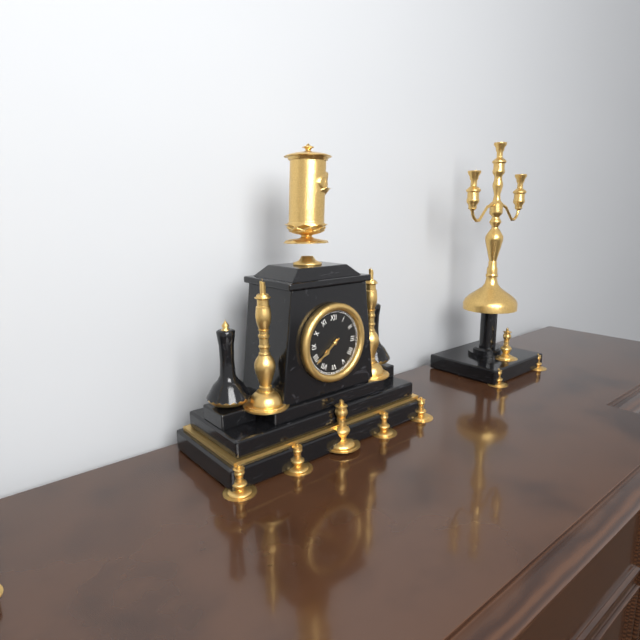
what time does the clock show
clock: 7:39
